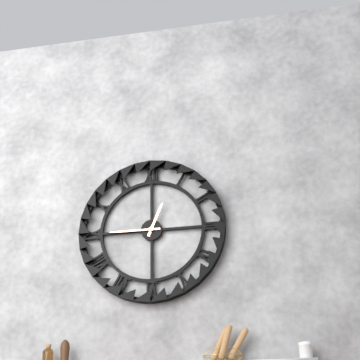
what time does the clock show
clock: 12:45
